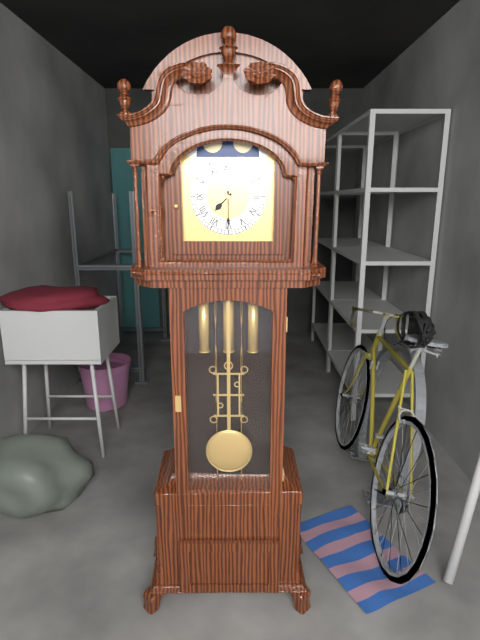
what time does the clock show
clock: 7:30
